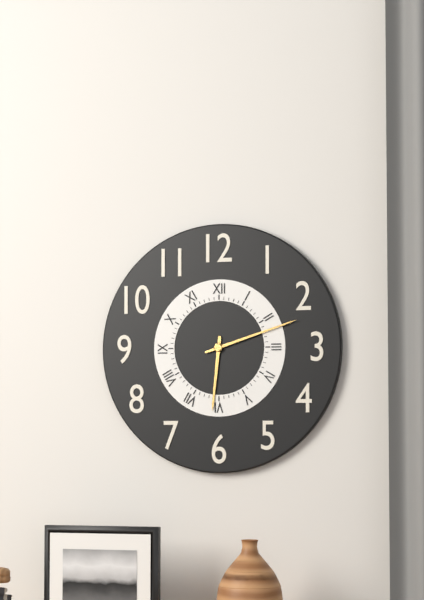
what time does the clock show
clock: 6:12
